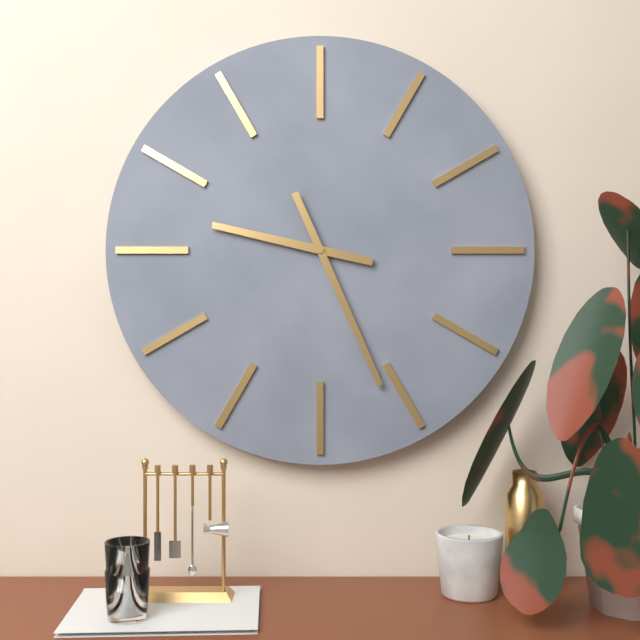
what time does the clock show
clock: 9:26
